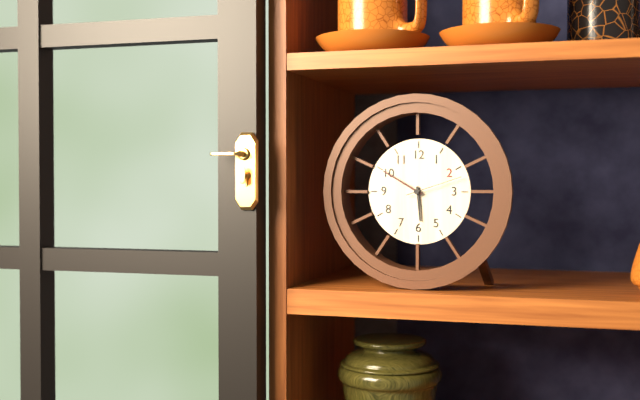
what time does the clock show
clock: 5:50:12
